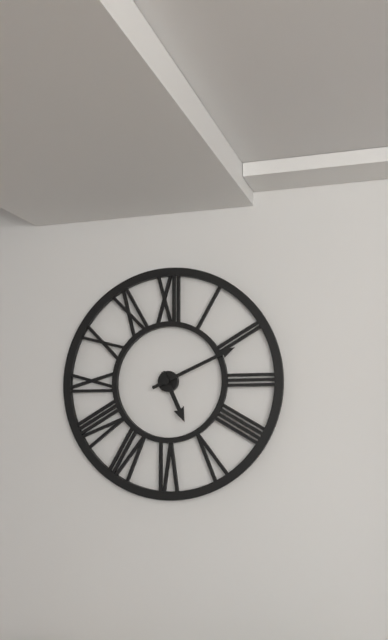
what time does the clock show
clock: 5:11
